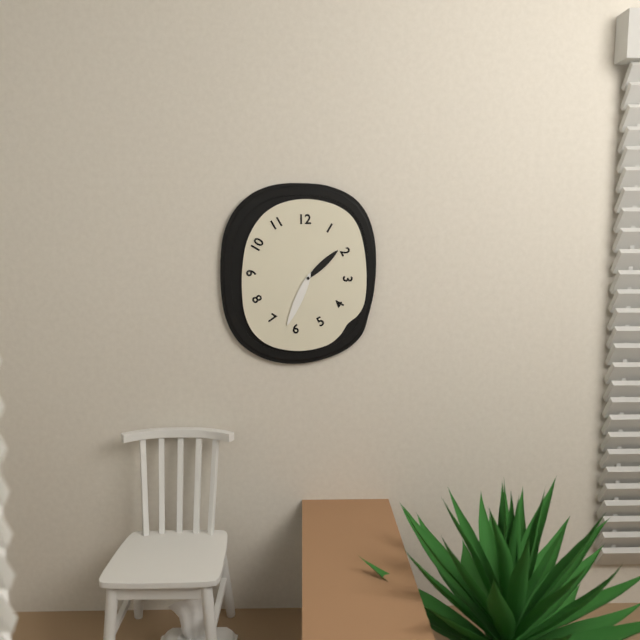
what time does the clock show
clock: 1:34
